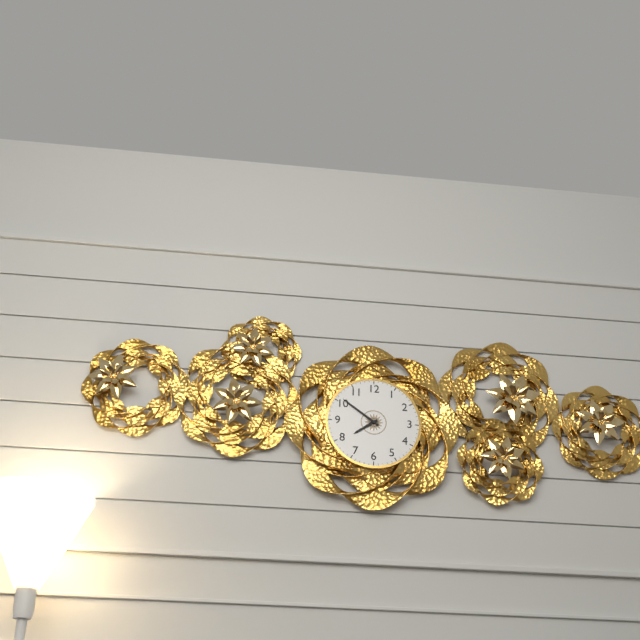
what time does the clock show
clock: 7:51
